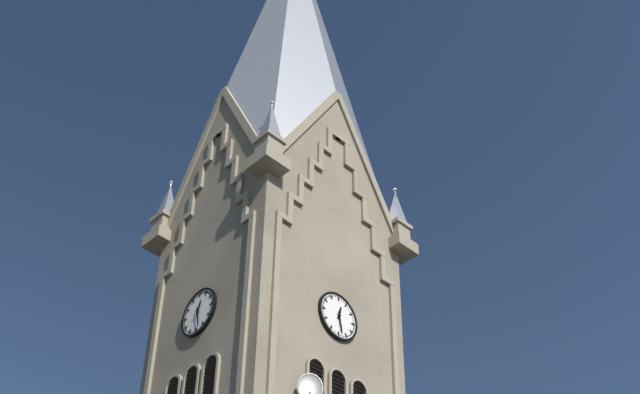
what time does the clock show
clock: 12:28
